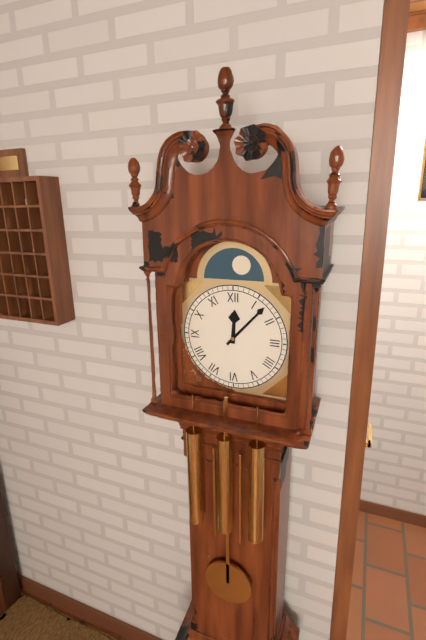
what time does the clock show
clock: 12:07
